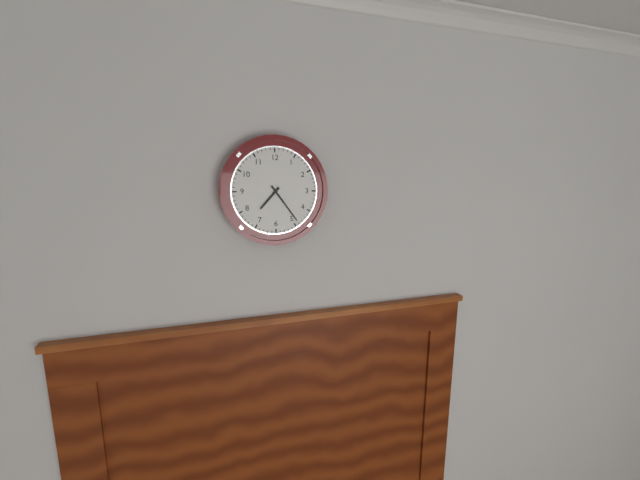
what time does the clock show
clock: 7:24
